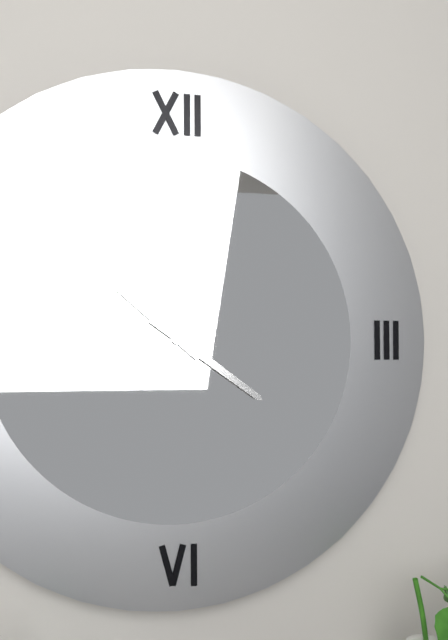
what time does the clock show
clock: 10:21
